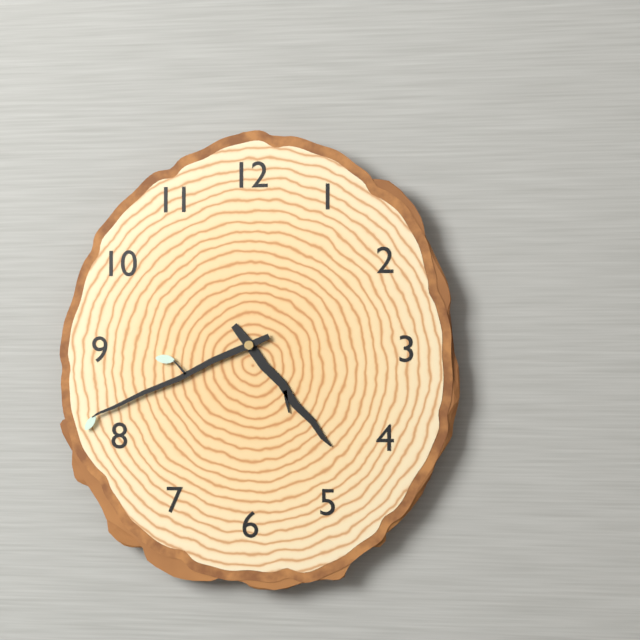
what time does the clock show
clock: 4:41
